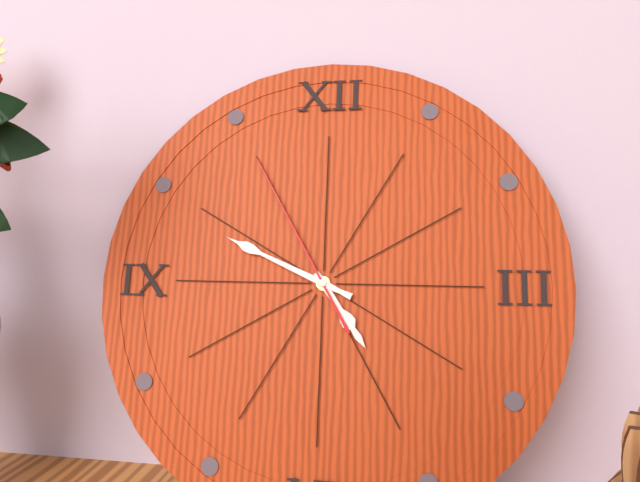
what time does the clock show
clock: 4:49:55
